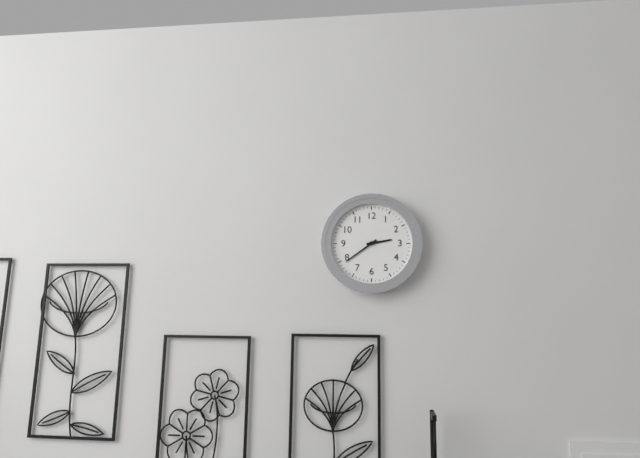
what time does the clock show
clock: 2:39
